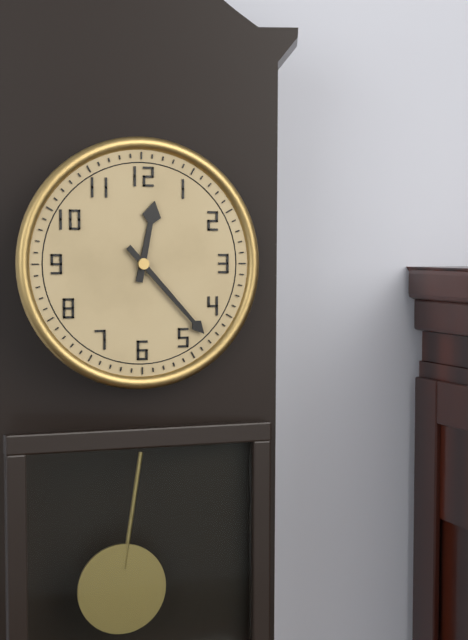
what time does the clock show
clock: 12:23
